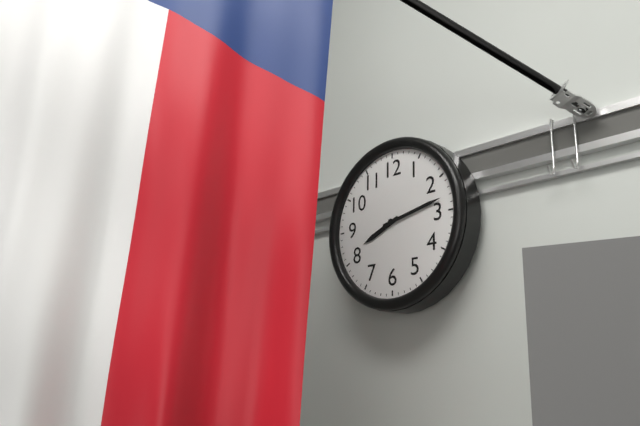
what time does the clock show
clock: 8:13
